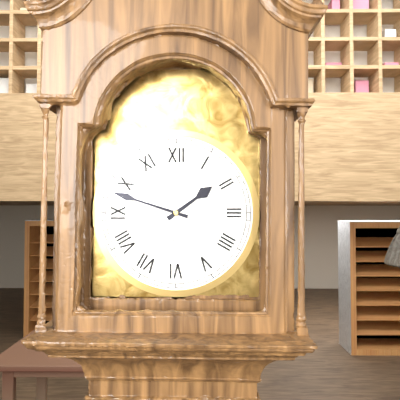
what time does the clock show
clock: 1:48
